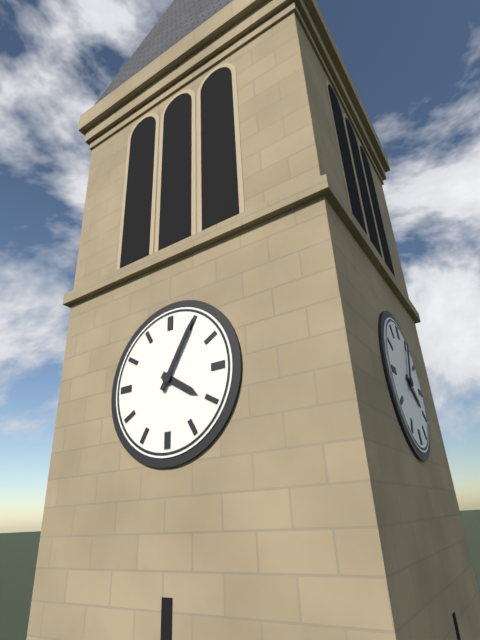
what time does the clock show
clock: 4:05
